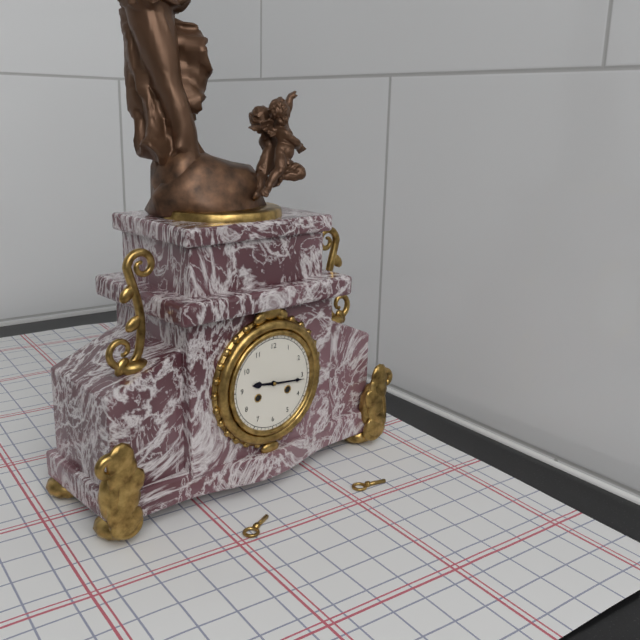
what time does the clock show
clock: 9:16
